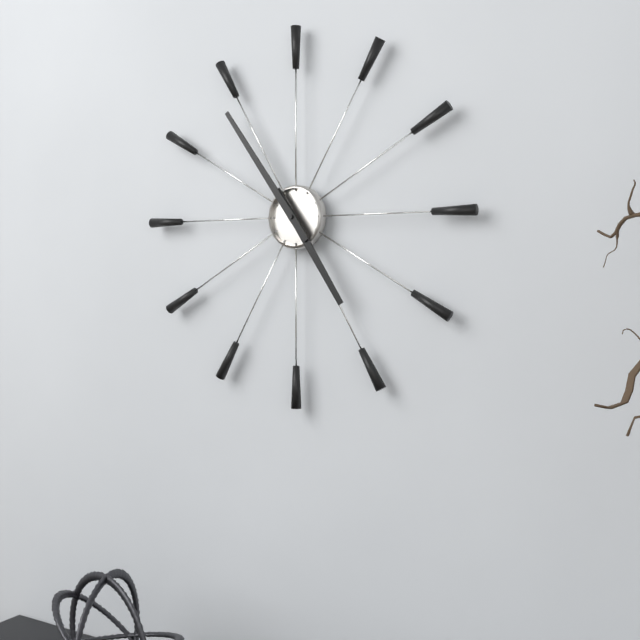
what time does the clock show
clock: 4:54
